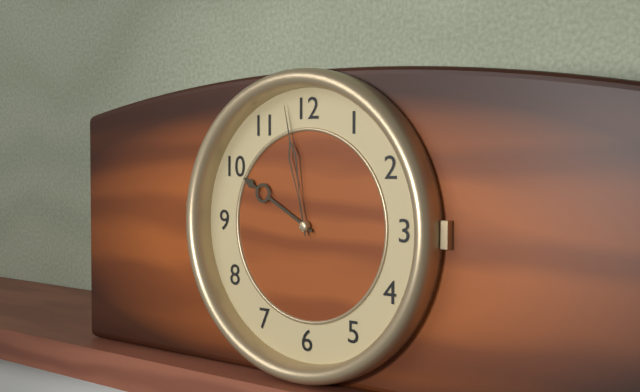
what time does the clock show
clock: 9:58
